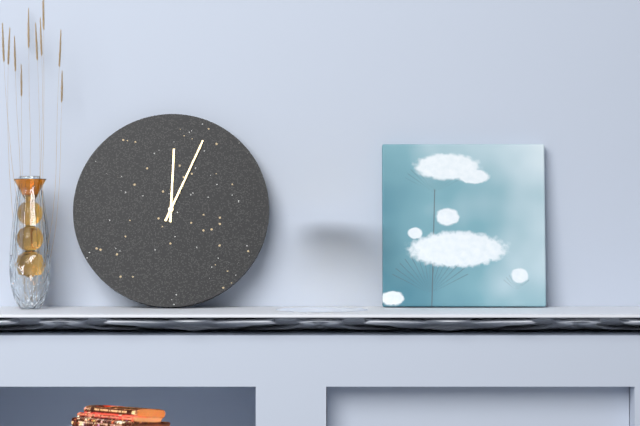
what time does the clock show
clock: 12:04
